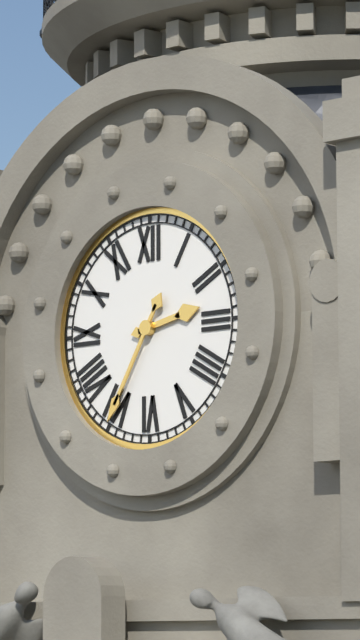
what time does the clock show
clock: 2:35
